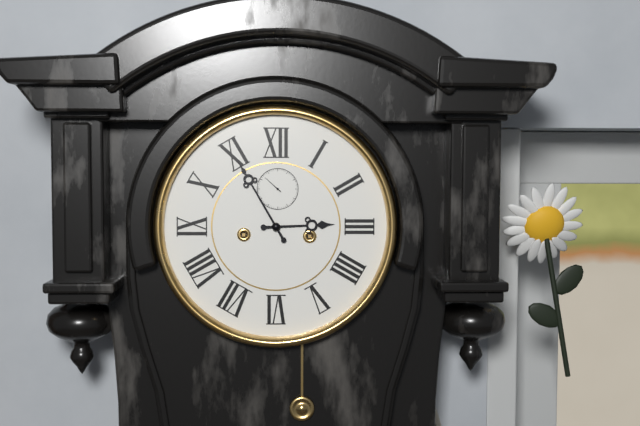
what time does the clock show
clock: 2:55
